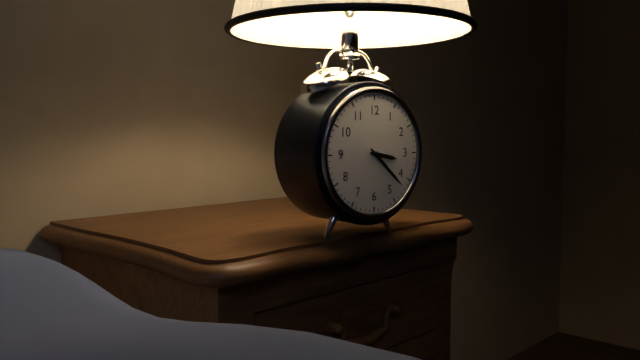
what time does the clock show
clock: 3:22
